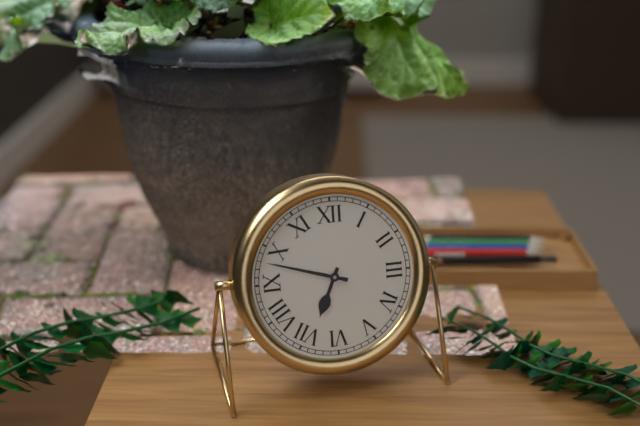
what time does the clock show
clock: 6:48
